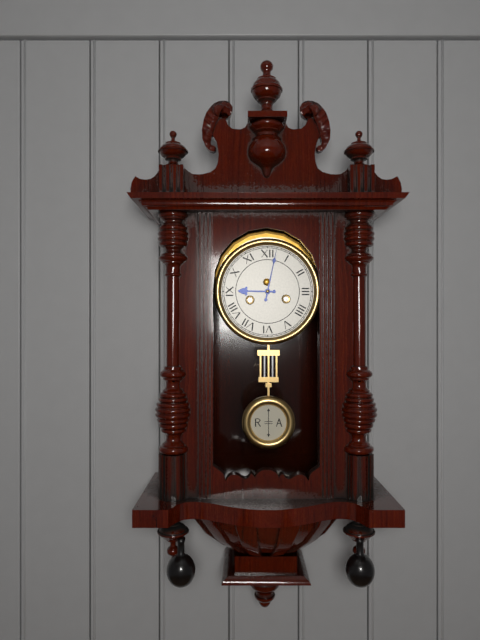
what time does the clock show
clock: 9:02
